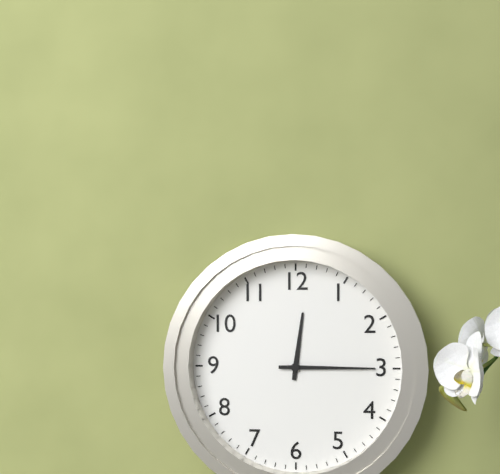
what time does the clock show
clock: 12:15
